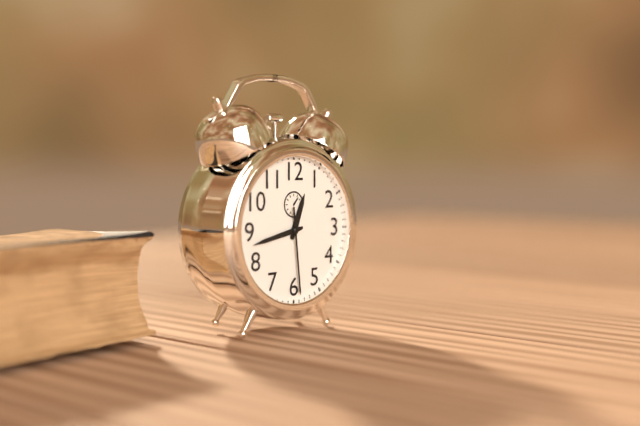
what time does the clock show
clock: 12:43:29
